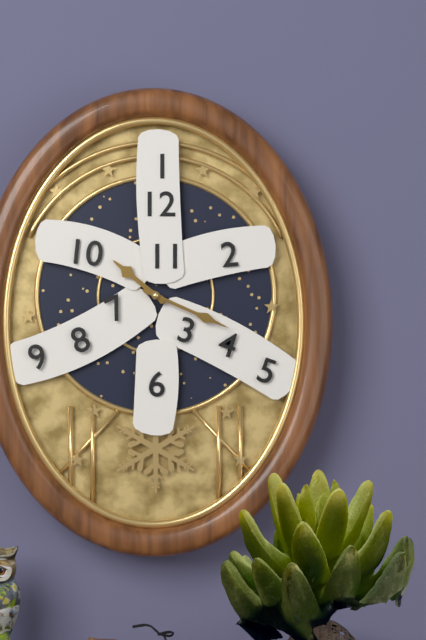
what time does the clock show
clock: 10:19
